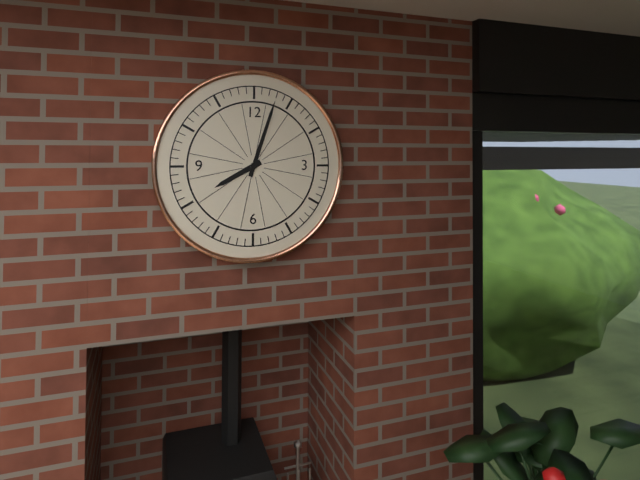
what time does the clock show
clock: 8:03
